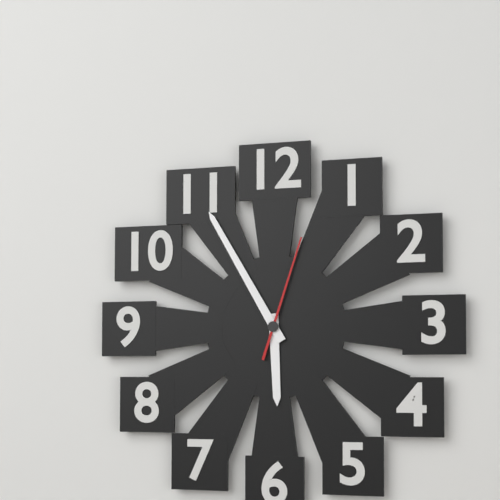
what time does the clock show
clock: 5:55:03
